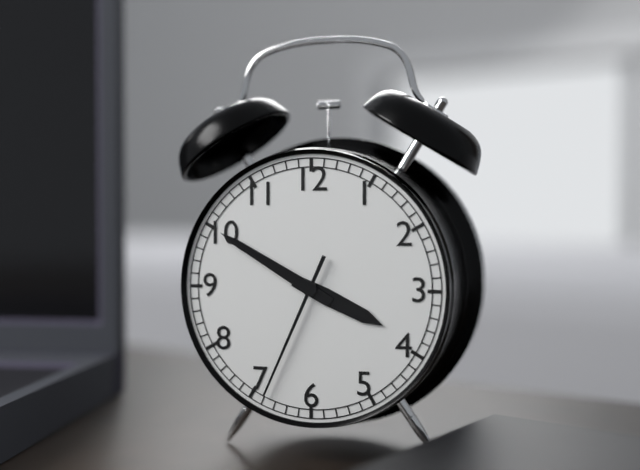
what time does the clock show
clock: 3:50:34
